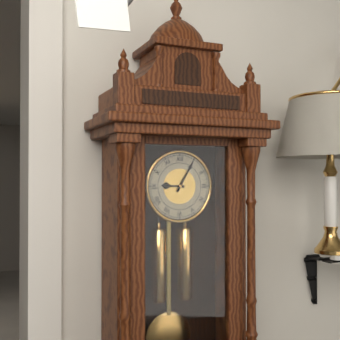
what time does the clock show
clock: 9:05
